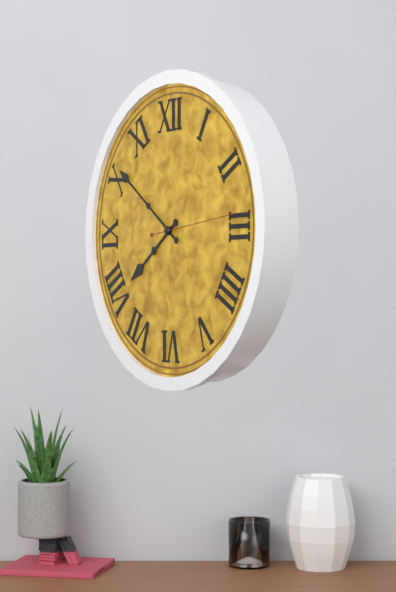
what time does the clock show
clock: 7:51:14
